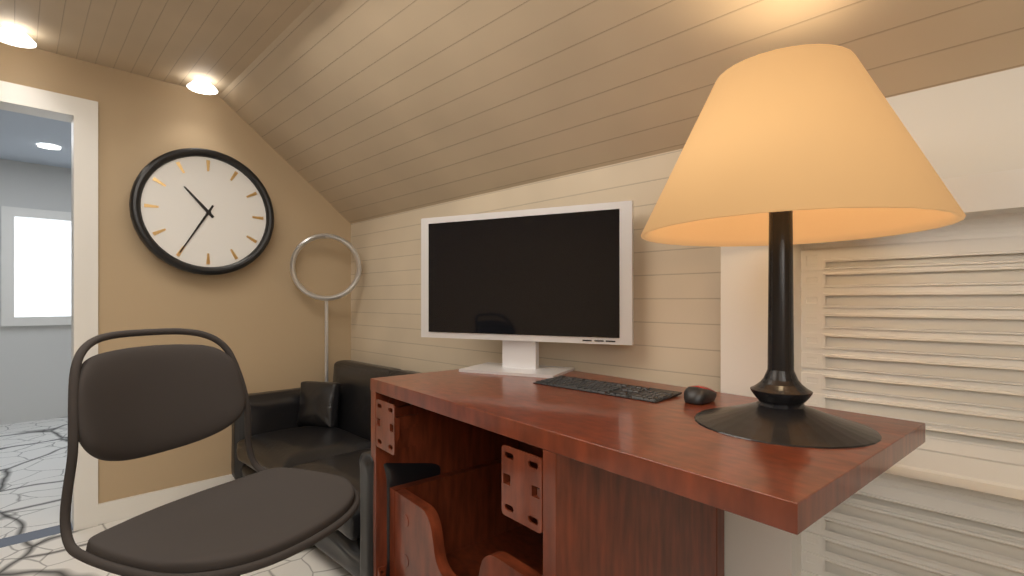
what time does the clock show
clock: 10:35
